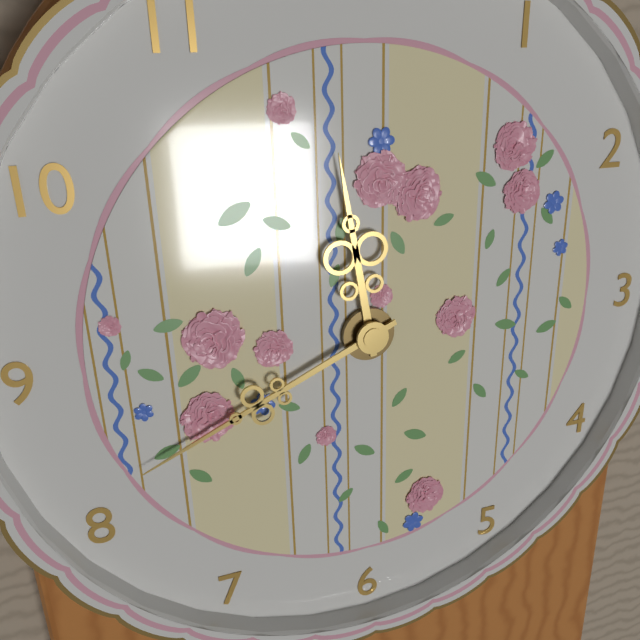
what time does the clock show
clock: 11:41
